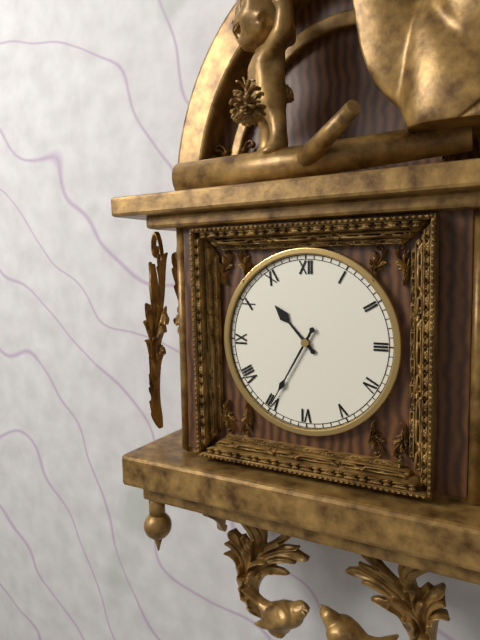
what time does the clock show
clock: 10:35
